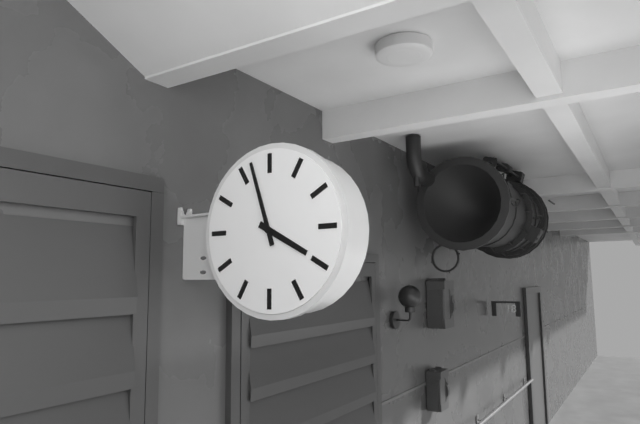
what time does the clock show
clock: 3:57
